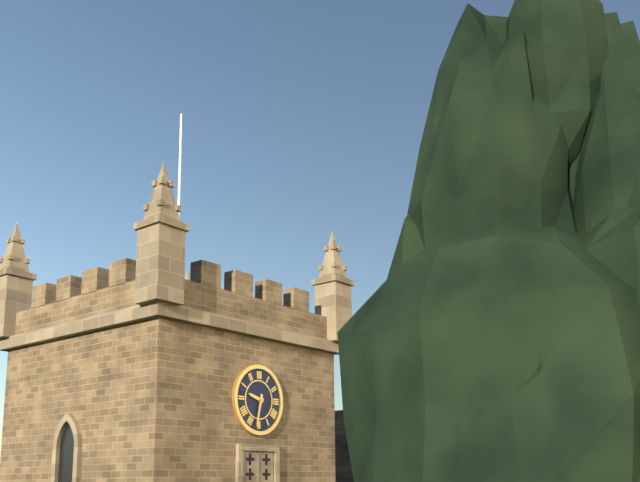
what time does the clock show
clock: 9:32
